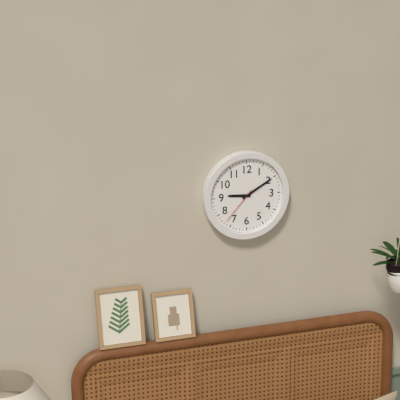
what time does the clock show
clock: 9:10
